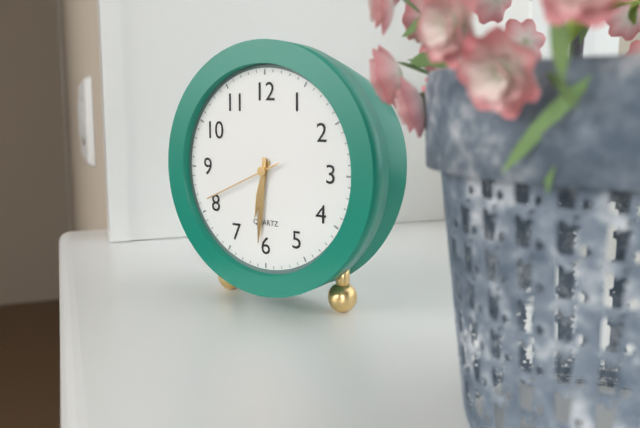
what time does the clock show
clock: 6:31:41
